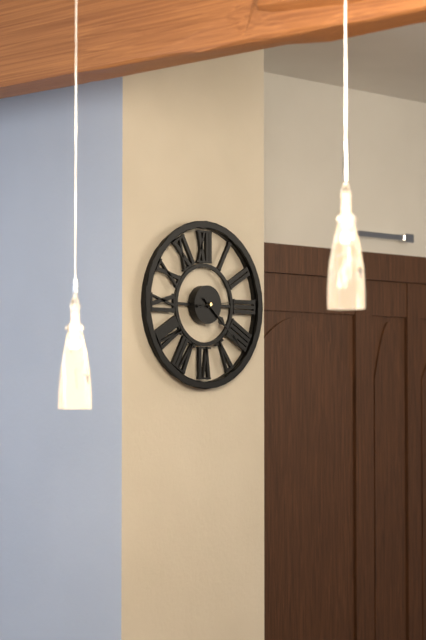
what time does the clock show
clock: 4:22:14
